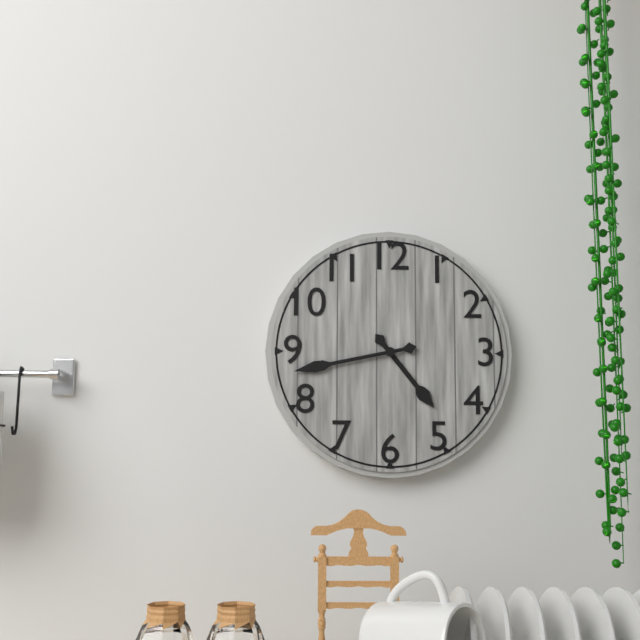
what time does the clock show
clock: 4:43
